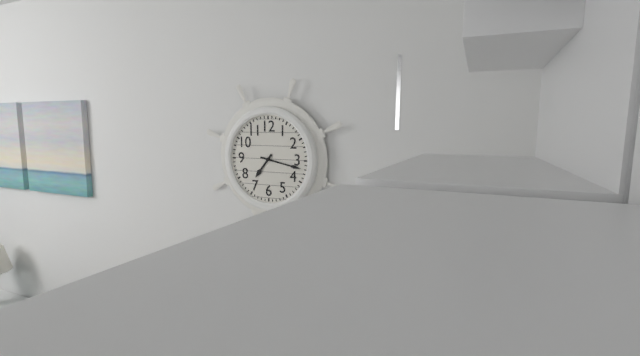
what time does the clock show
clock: 7:17
